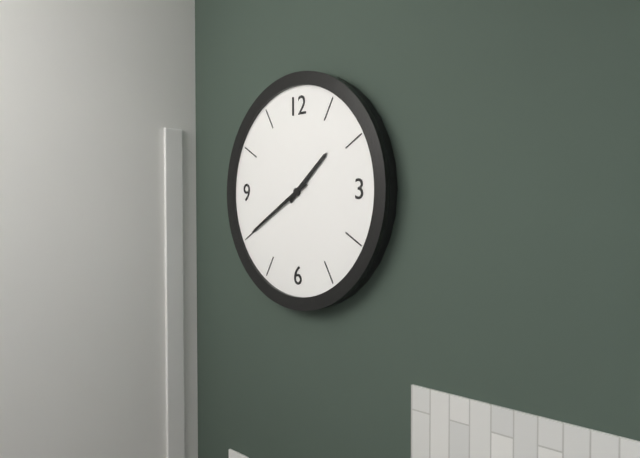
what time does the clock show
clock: 1:40
